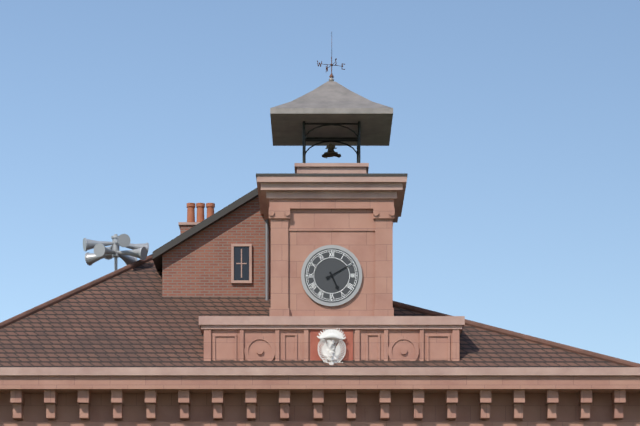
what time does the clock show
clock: 5:10
